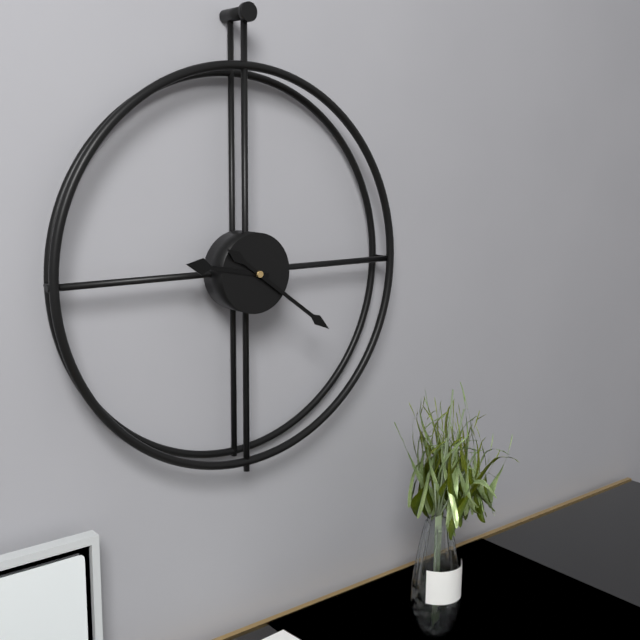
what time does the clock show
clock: 9:21
